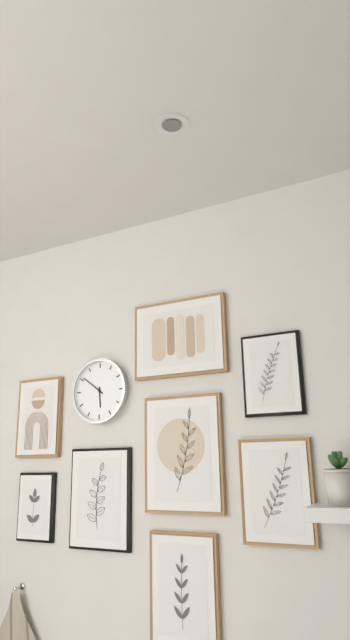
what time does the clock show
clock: 5:51
